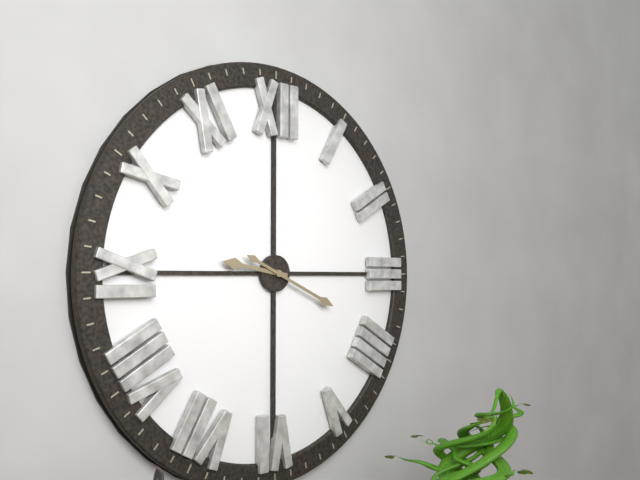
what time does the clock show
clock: 9:19
